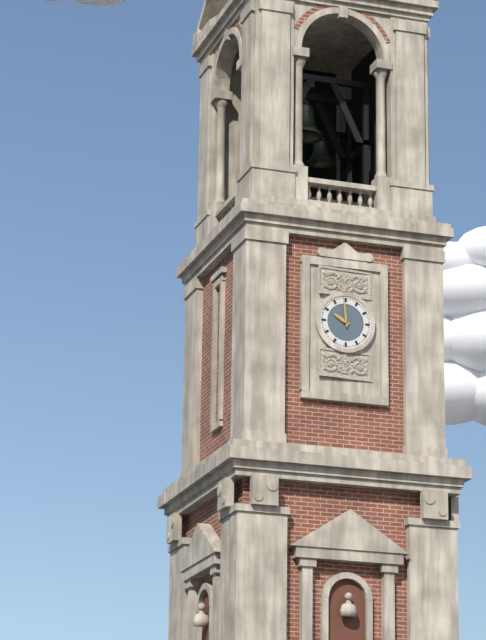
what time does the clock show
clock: 9:59
